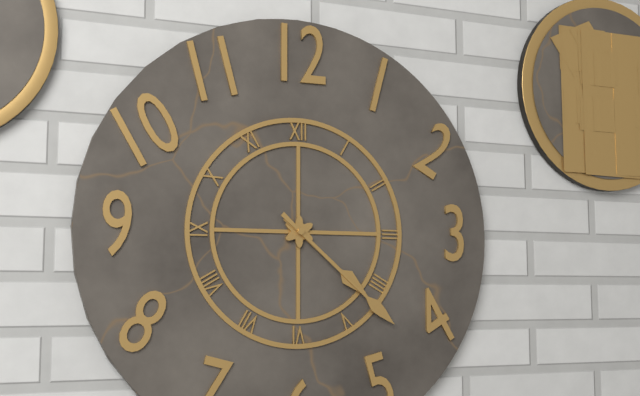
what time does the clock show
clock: 4:22
